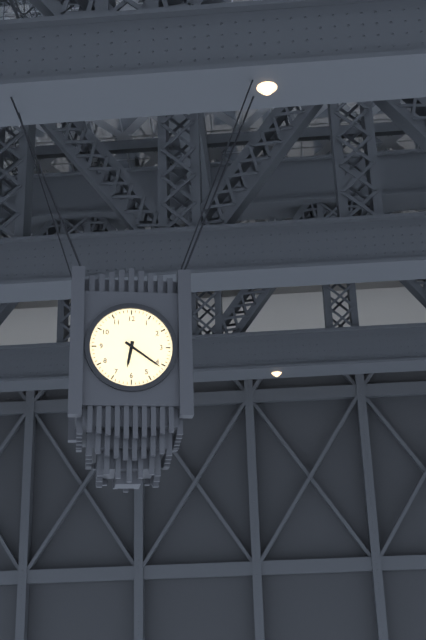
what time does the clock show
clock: 6:21
